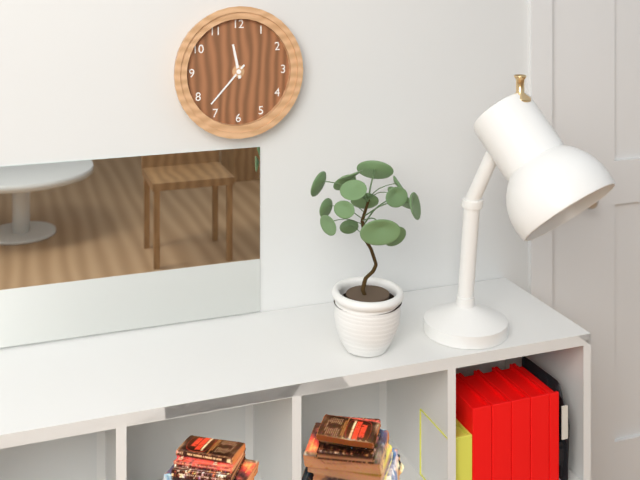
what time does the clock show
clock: 11:37
